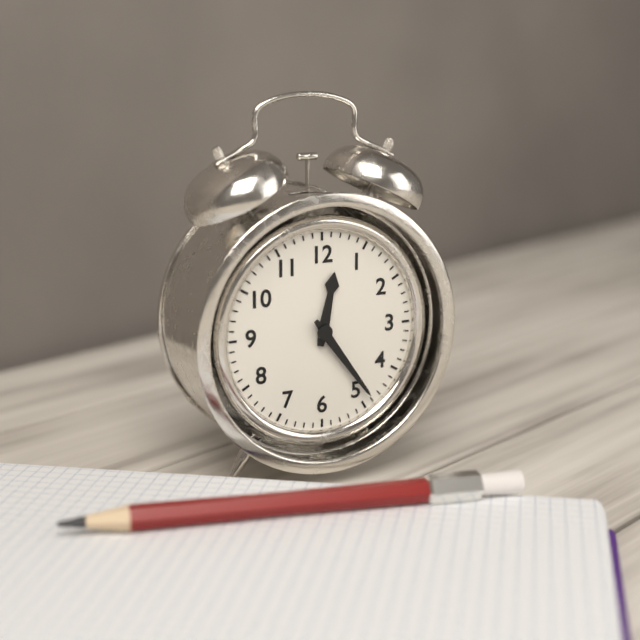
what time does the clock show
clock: 12:24
